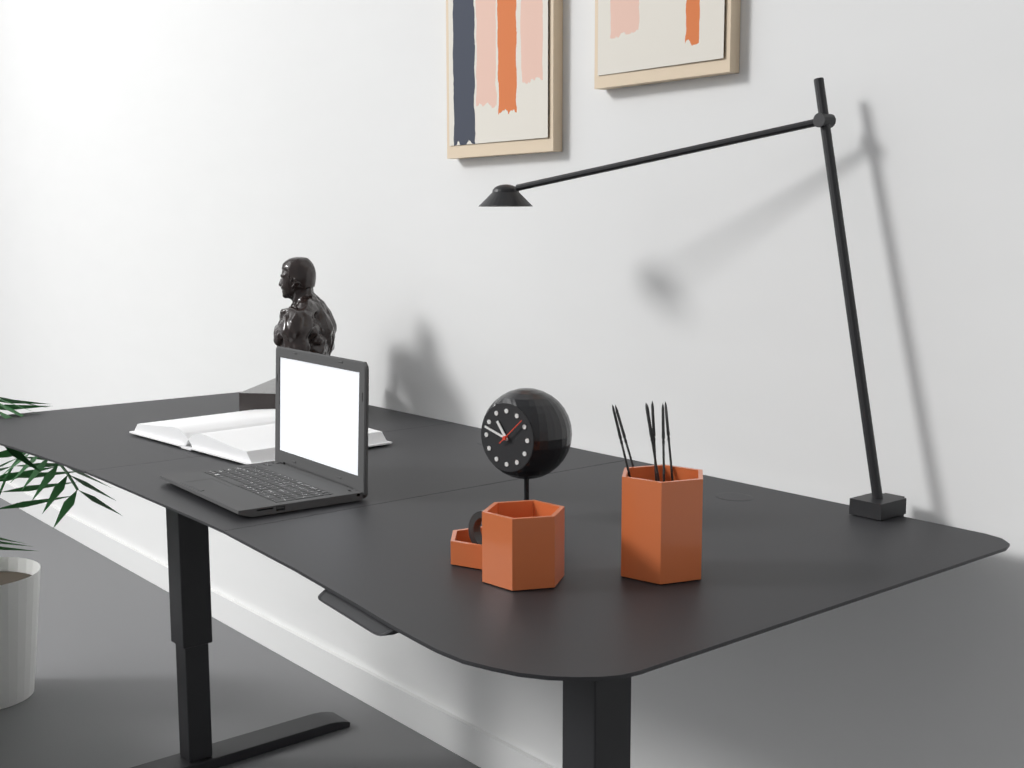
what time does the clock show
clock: 10:48
